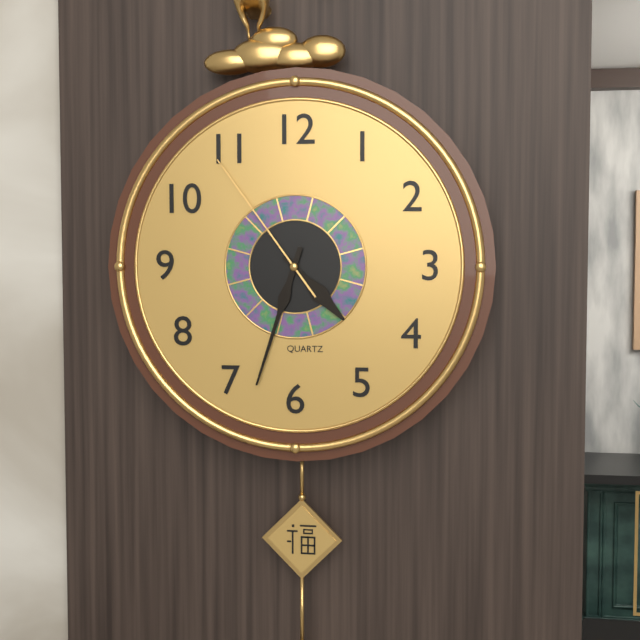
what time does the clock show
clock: 4:33:54
